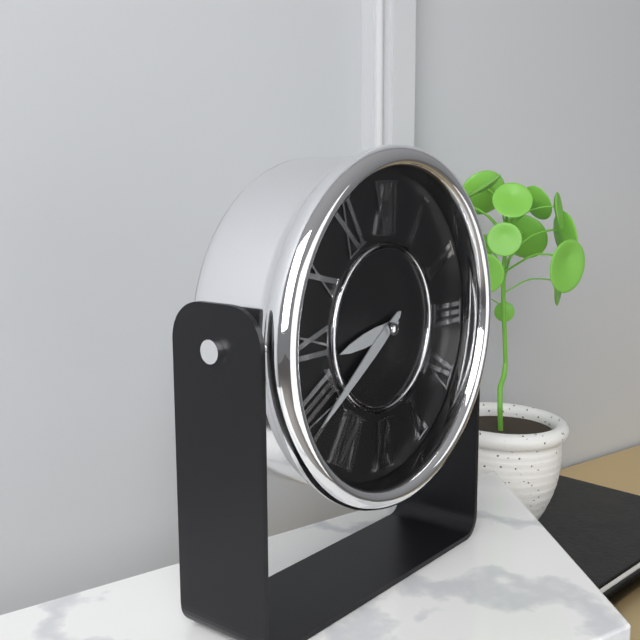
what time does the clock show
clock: 8:39
